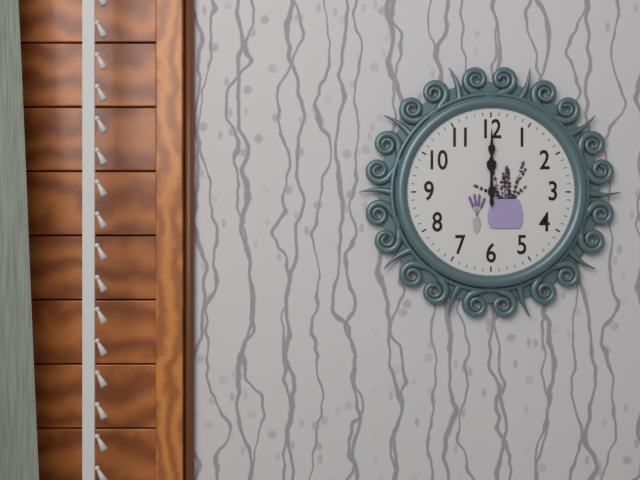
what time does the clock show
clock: 12:00
